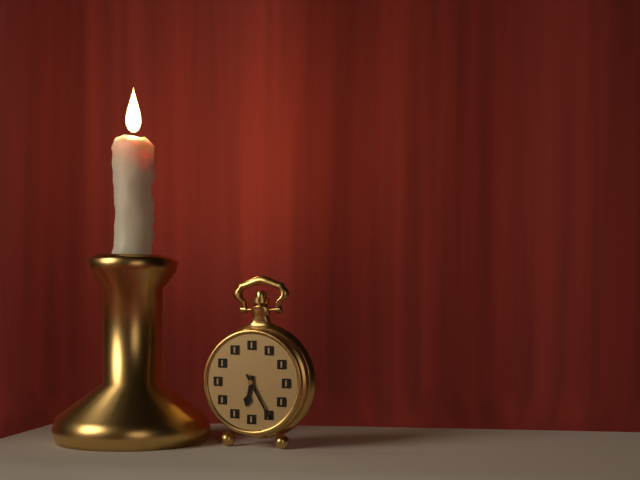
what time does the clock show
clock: 6:25
